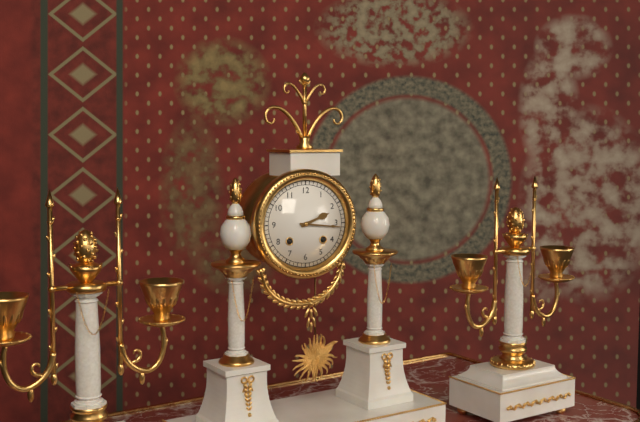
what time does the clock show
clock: 2:16
